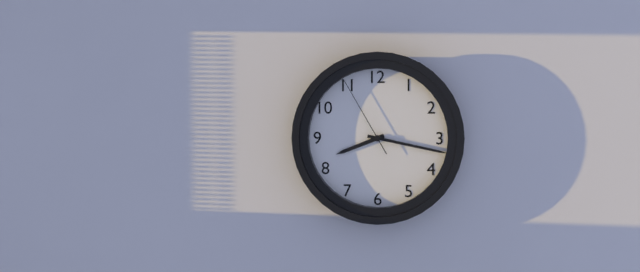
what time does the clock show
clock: 8:17:55
